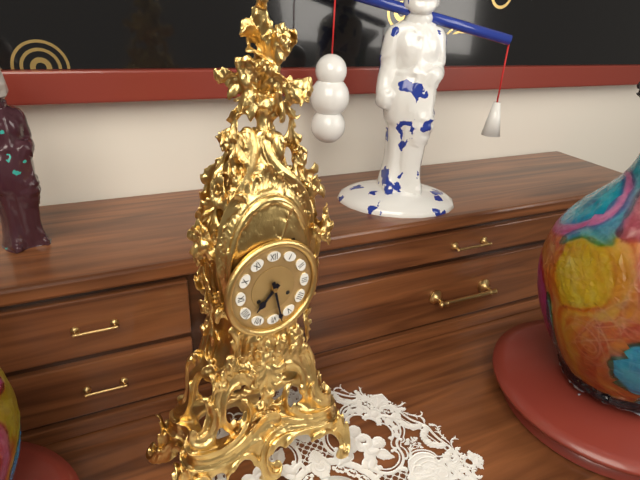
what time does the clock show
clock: 7:28
